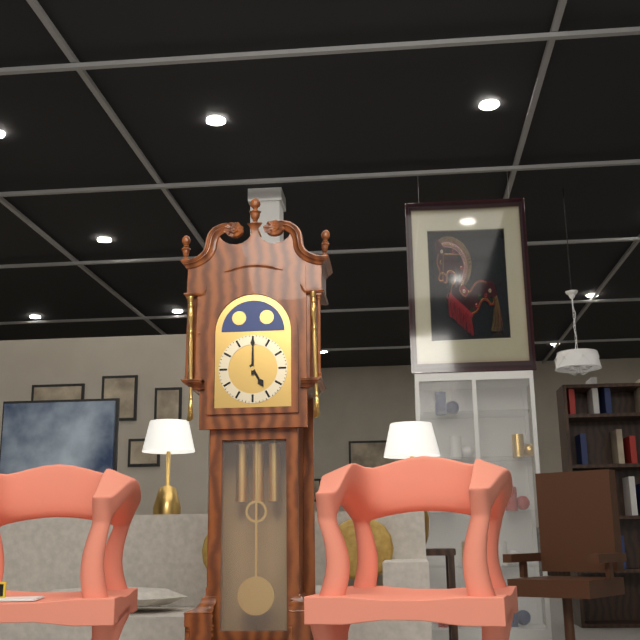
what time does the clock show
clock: 5:00
